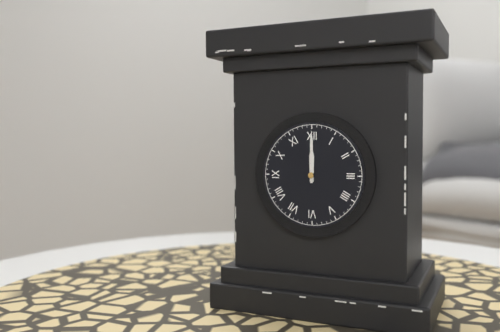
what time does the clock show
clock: 12:00
